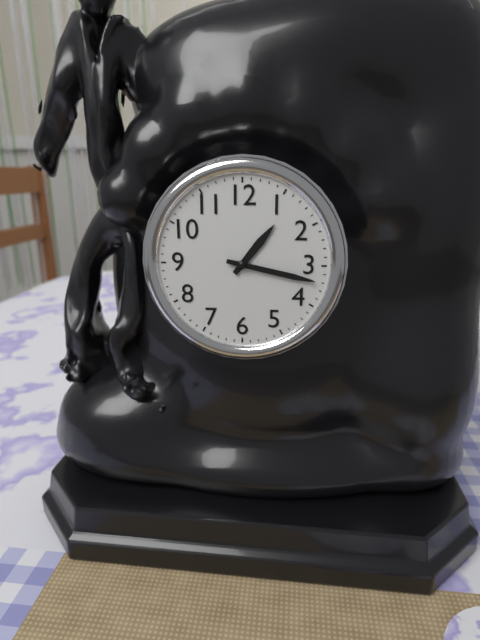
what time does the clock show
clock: 1:17
